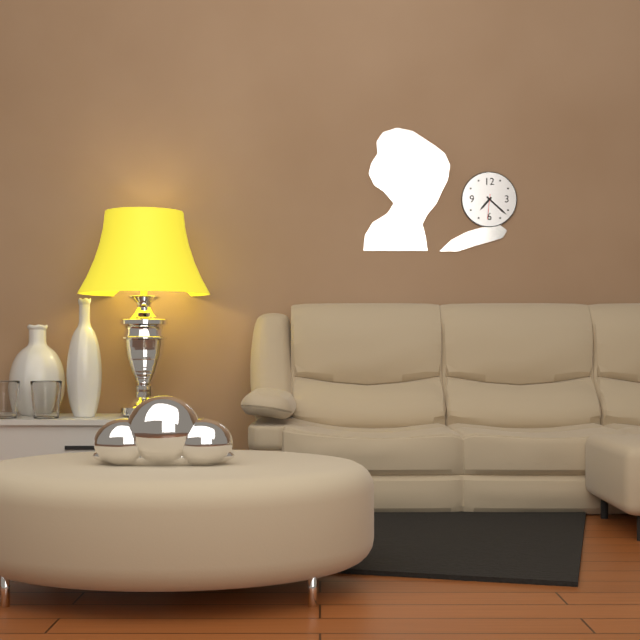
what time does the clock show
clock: 7:22
